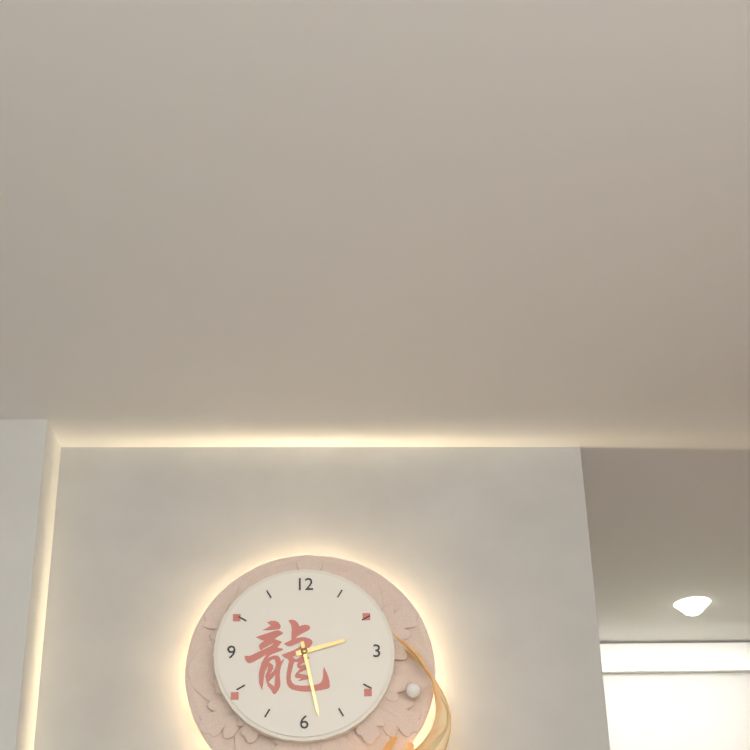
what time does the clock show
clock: 2:28
